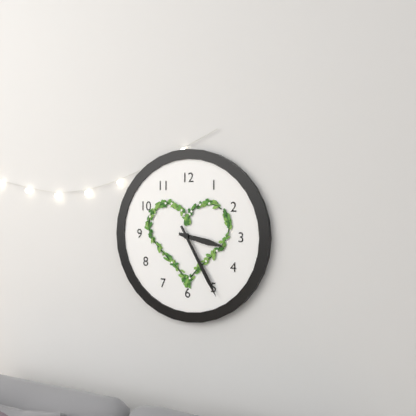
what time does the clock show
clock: 3:25
